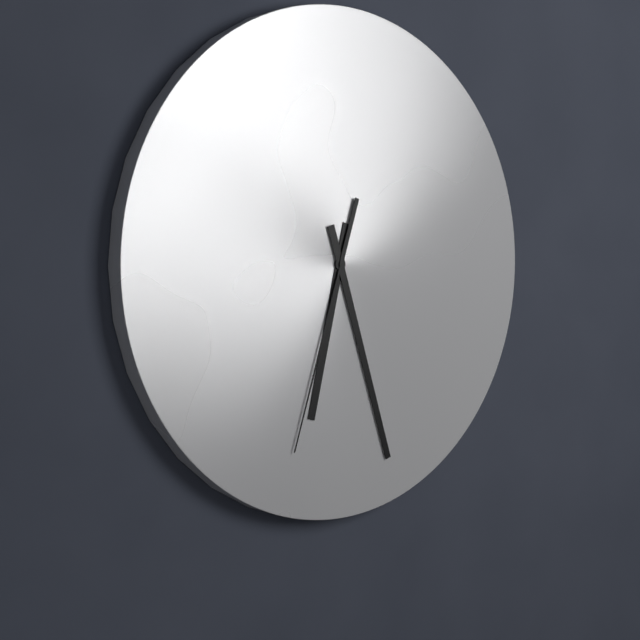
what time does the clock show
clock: 6:27:33
